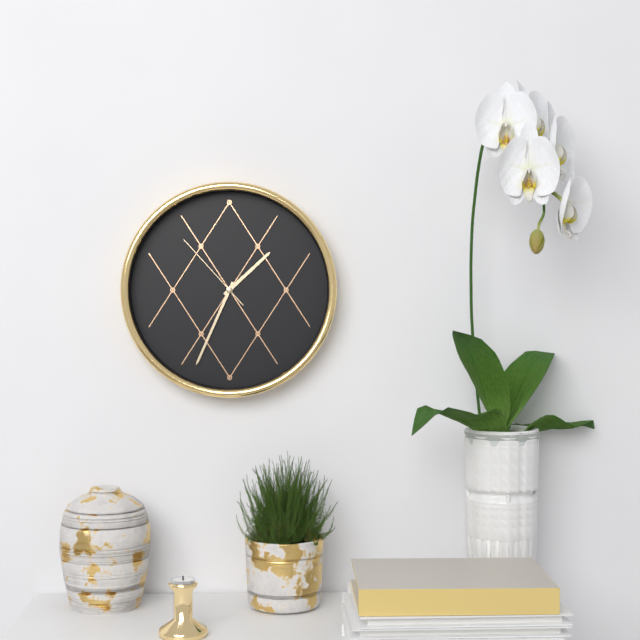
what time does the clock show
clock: 1:34:53
